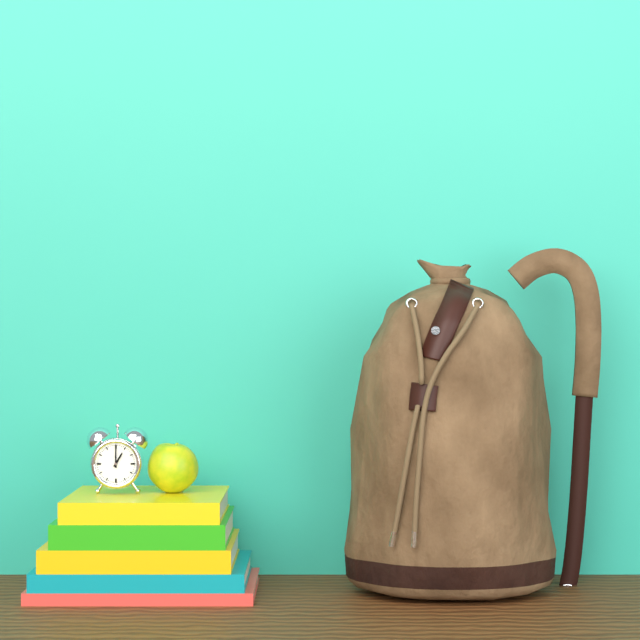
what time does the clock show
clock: 1:00
